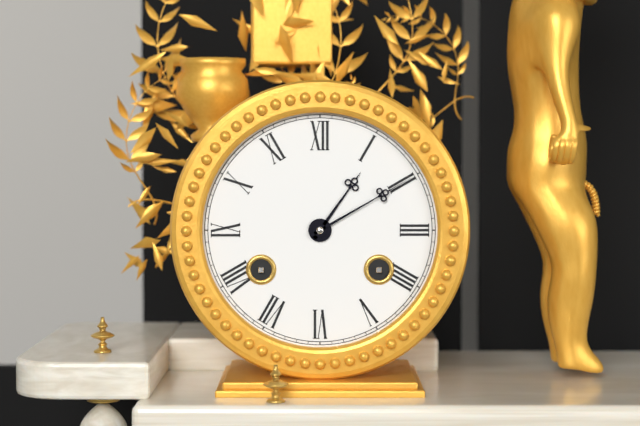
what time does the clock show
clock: 1:10
